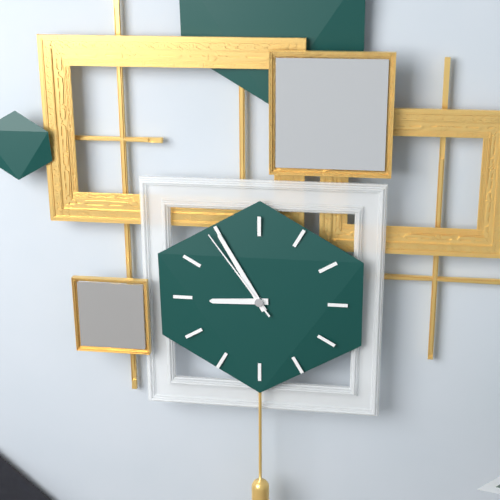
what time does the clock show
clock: 8:55:54
